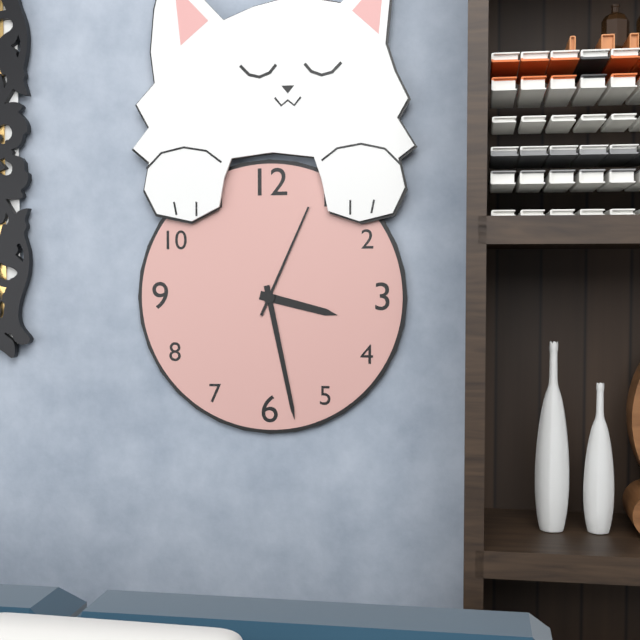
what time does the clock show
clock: 3:28:04
